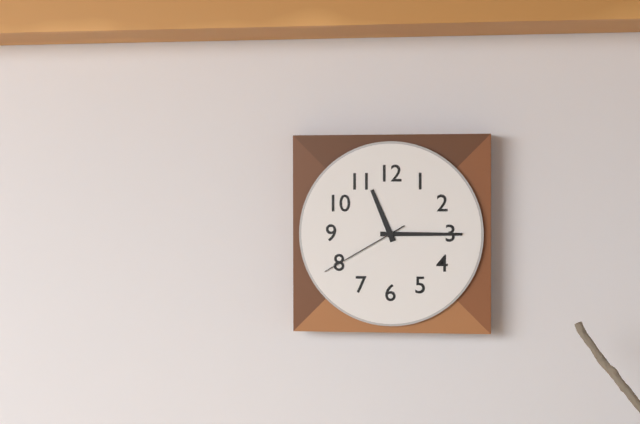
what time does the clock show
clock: 11:15:40
